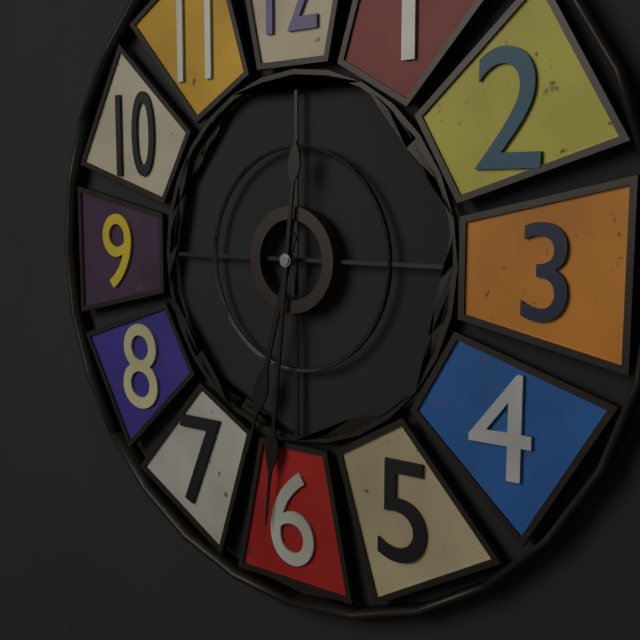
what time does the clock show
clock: 6:31
